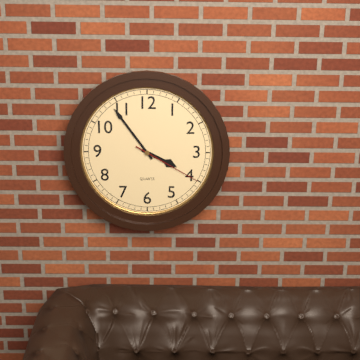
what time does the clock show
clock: 3:54:20
